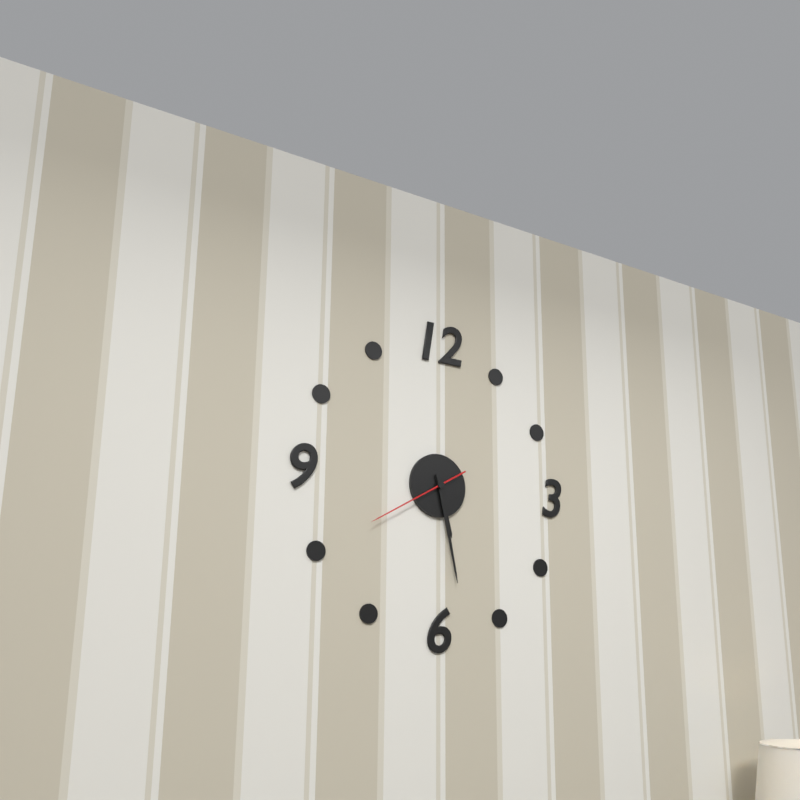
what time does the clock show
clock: 5:28:40
